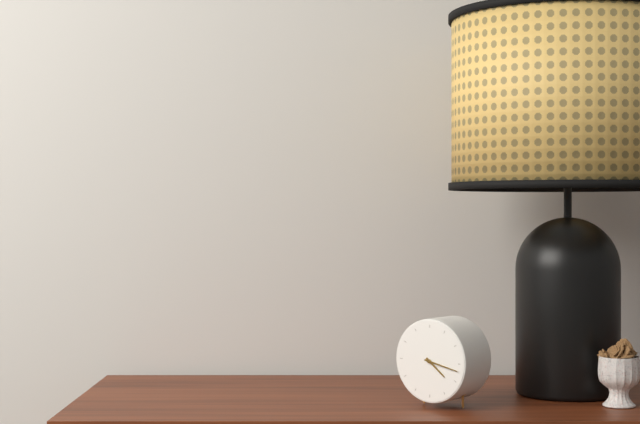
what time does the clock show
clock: 4:17
